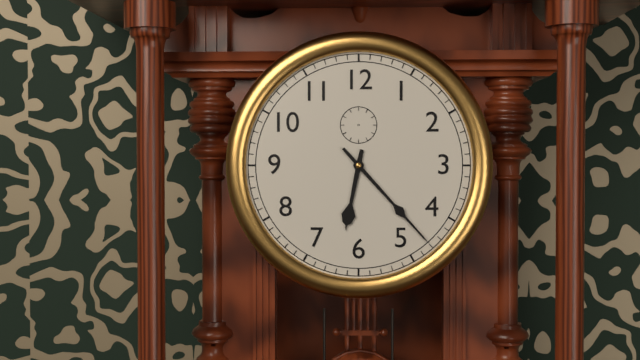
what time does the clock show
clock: 6:23
